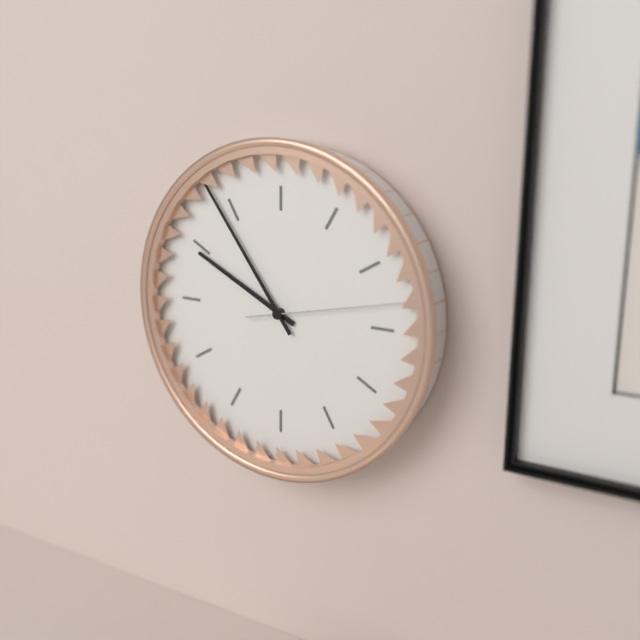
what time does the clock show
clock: 9:54:13
